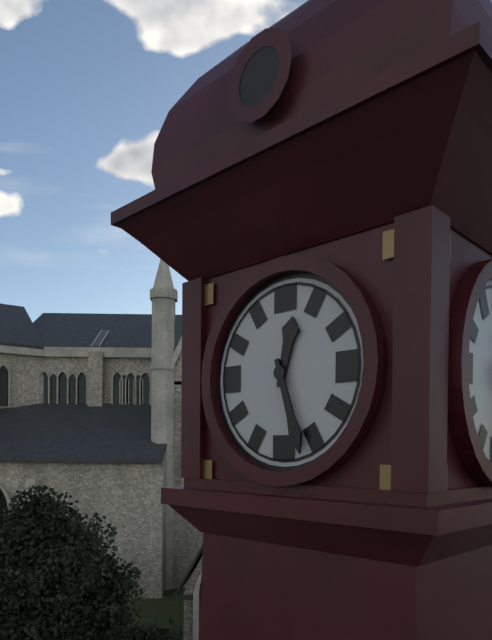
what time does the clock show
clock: 12:27
